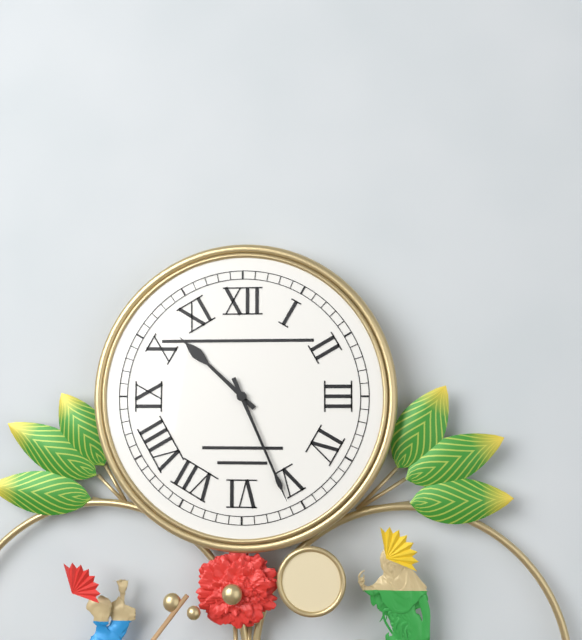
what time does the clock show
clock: 10:26
